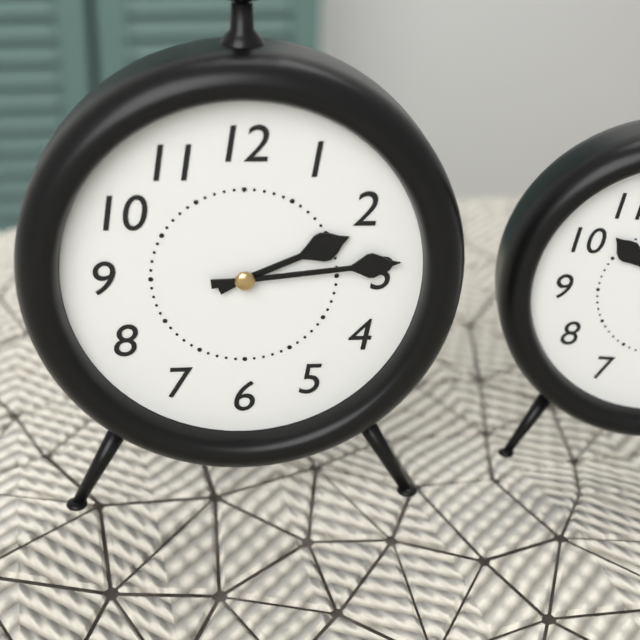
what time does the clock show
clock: 2:14
